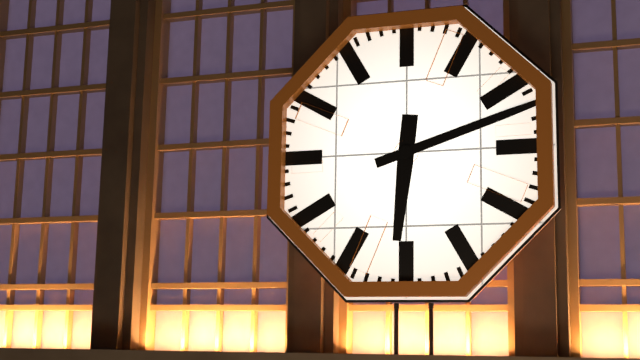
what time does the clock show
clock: 6:12
